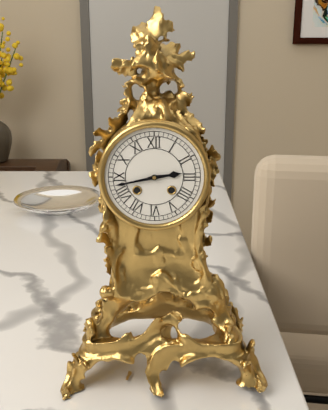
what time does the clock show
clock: 2:43
